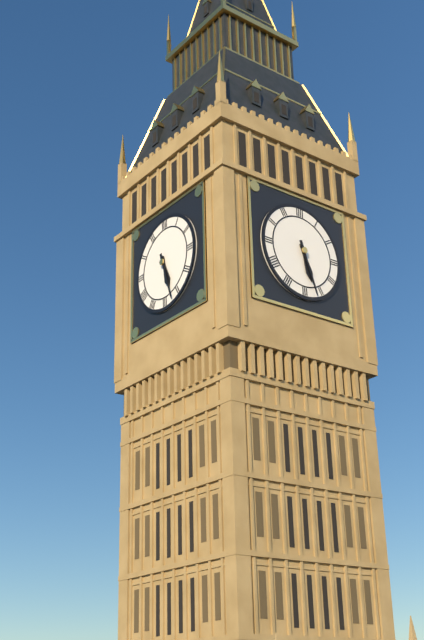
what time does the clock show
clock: 5:27
